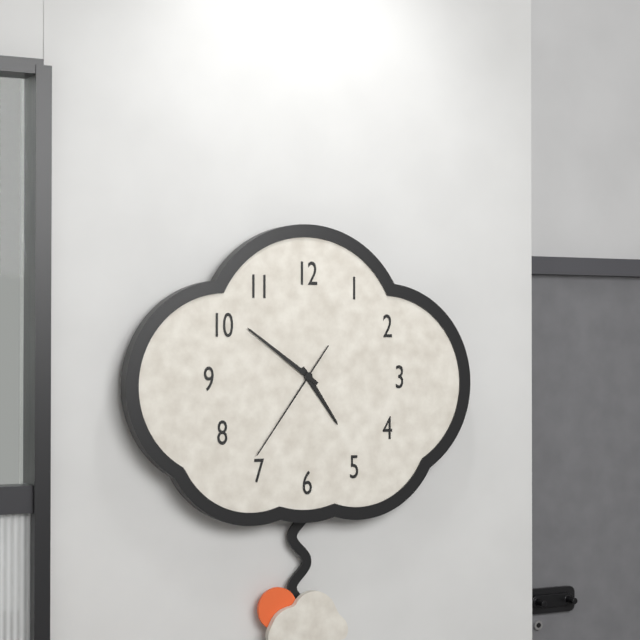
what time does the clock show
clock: 4:51:36
